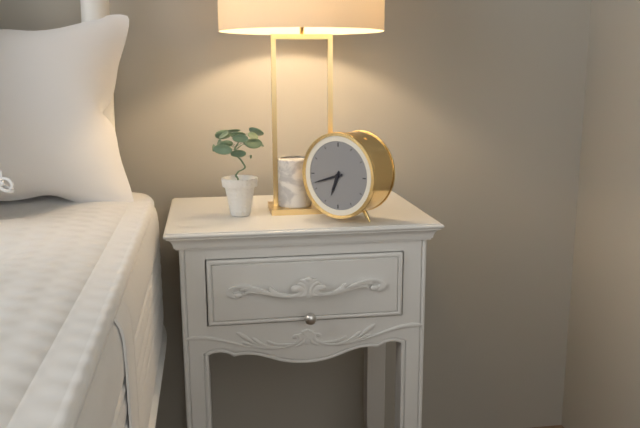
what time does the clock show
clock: 6:42
